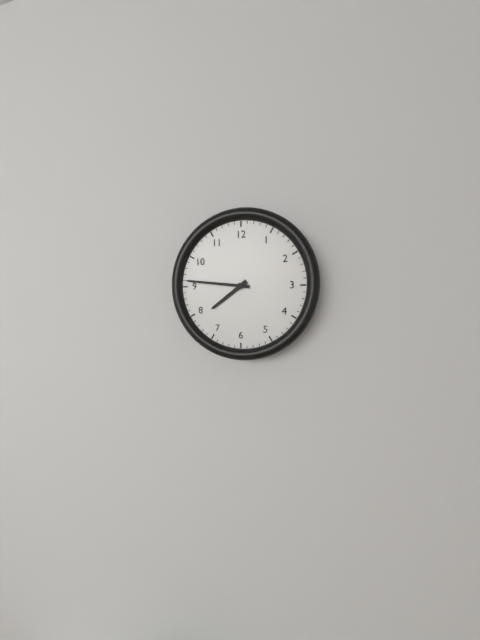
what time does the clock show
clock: 7:46
